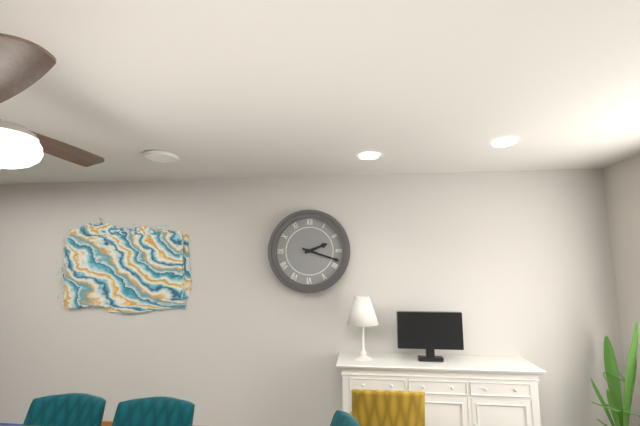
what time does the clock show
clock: 2:18
